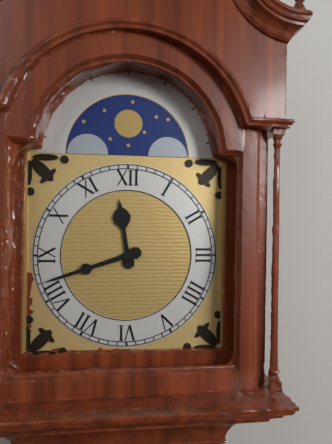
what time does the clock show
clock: 11:42
